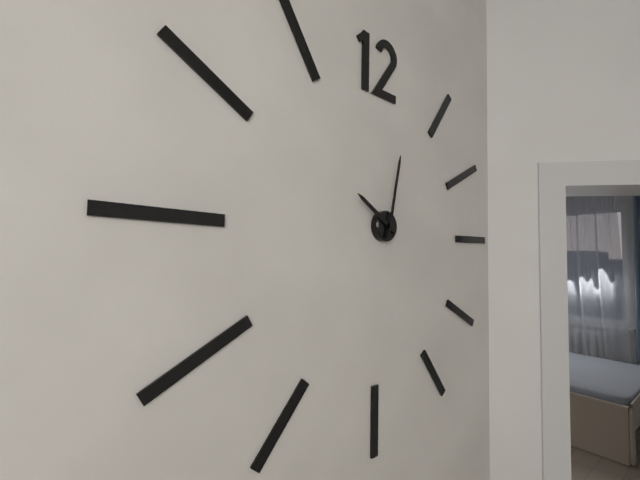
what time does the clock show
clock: 10:02
